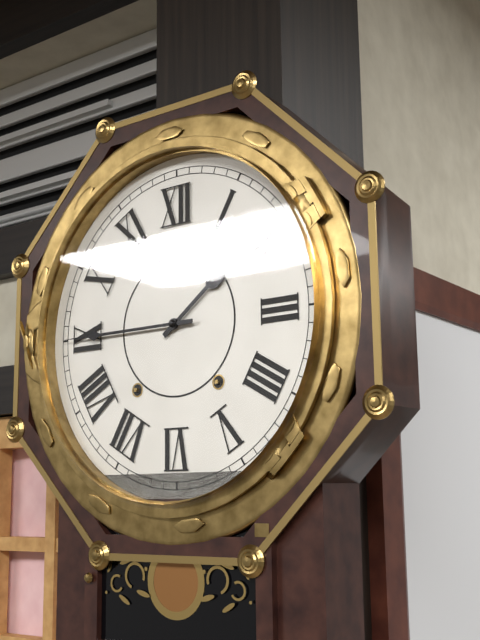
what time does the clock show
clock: 1:45
